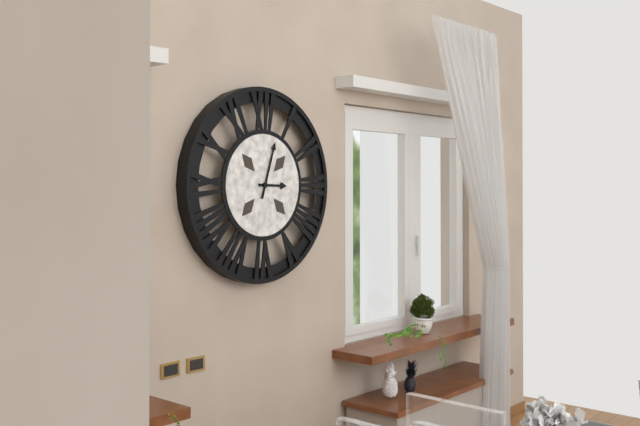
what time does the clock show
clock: 3:03
